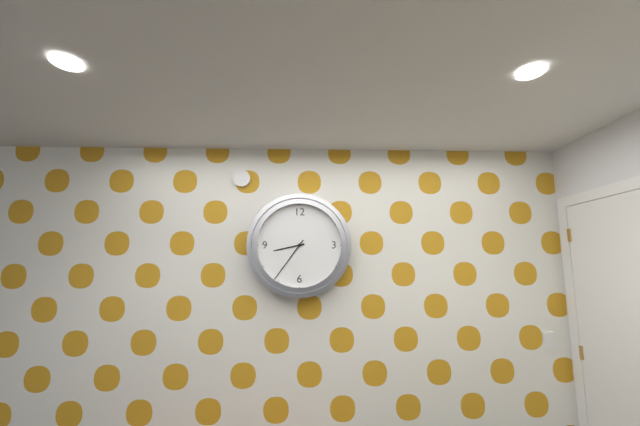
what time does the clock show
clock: 8:36
